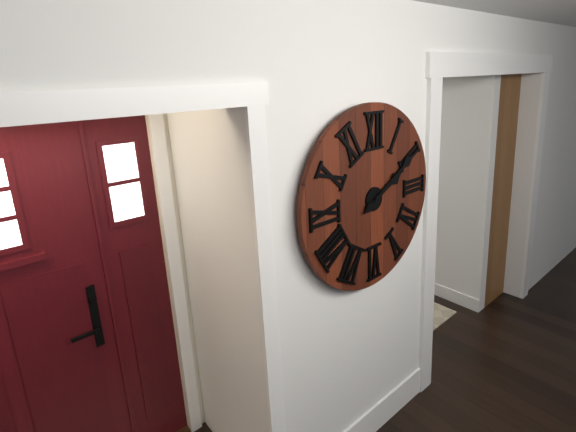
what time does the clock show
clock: 2:10
